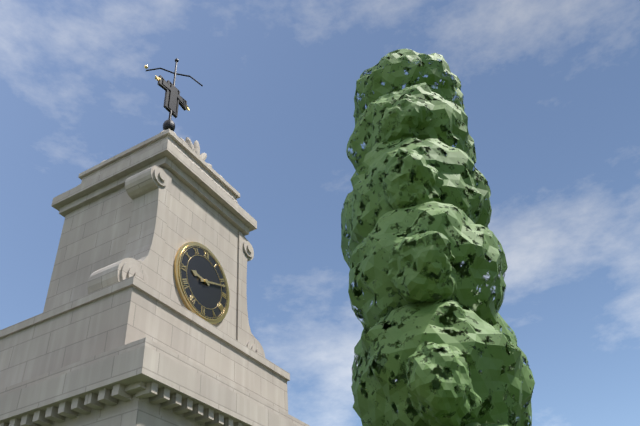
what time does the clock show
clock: 9:12
